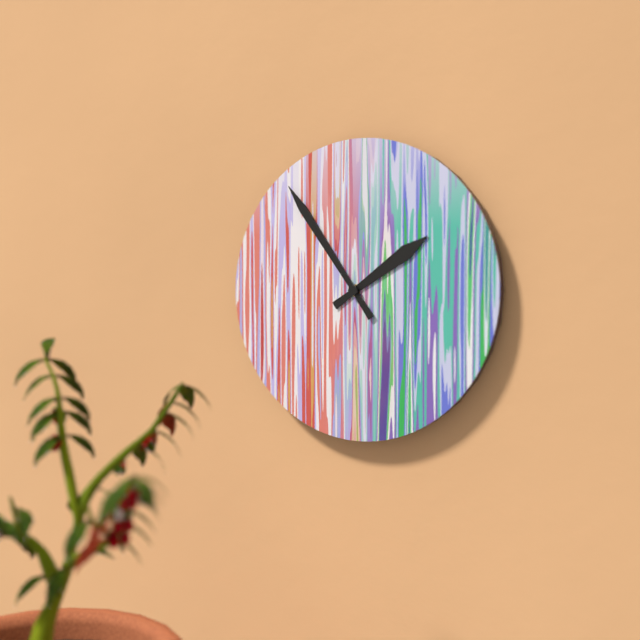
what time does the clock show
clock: 1:54
